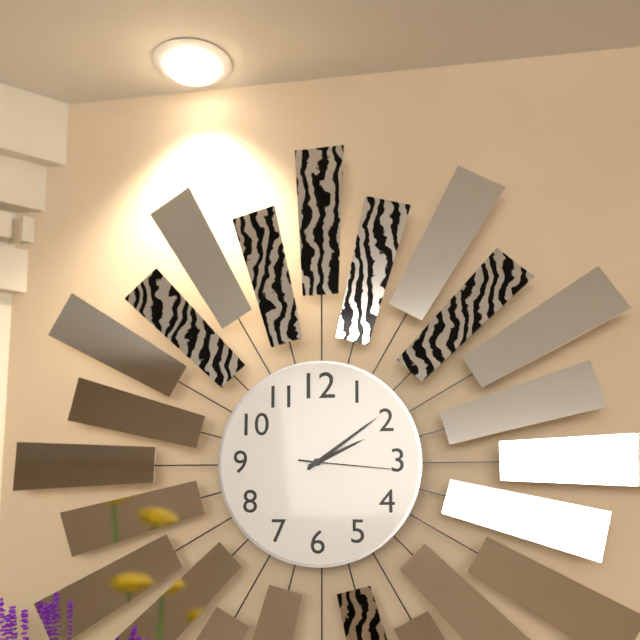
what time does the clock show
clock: 2:09:16
